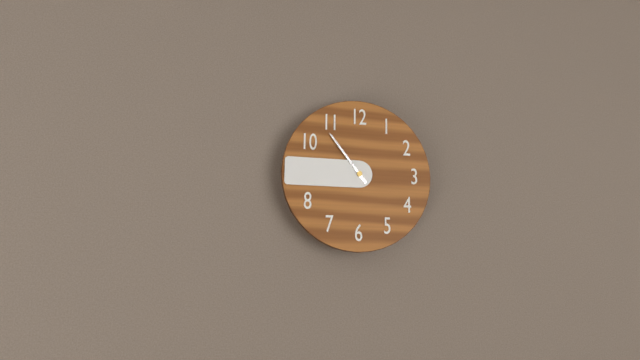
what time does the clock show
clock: 10:45
